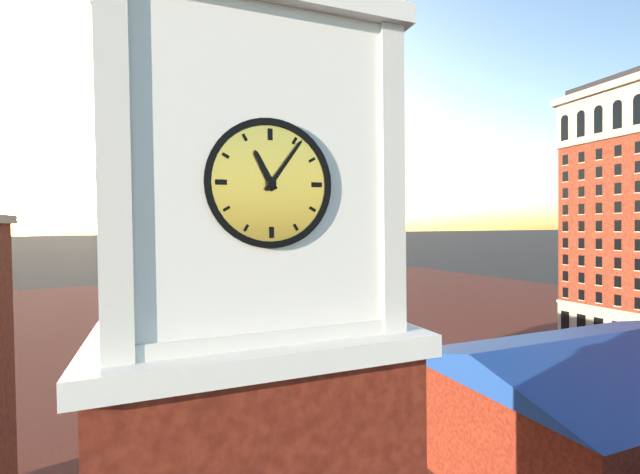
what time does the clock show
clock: 11:06
